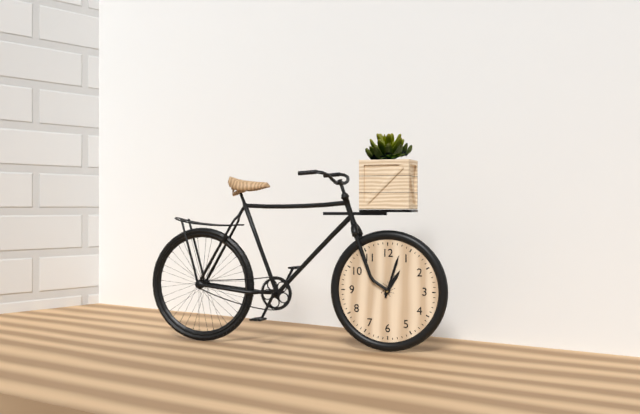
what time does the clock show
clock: 1:03
